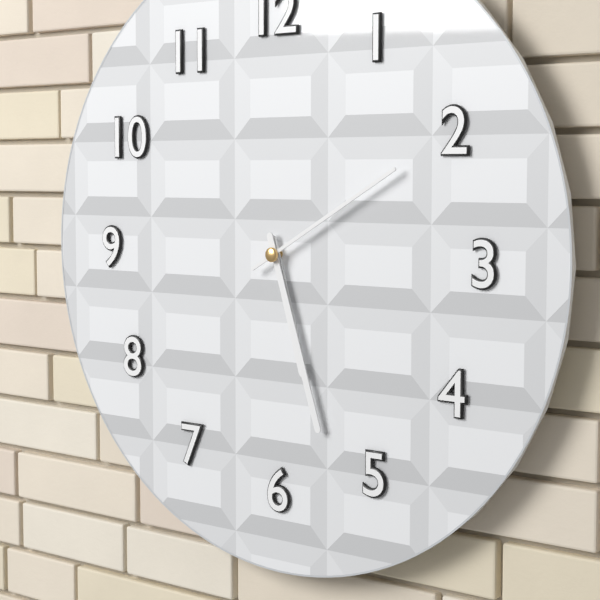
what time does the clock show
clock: 5:27:10
